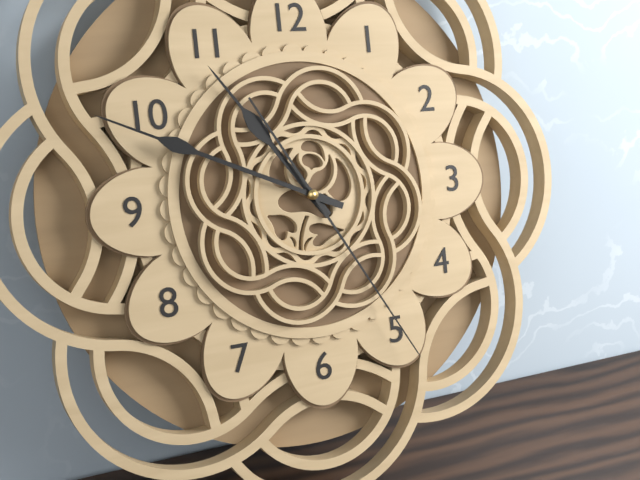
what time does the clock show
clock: 10:49:25
